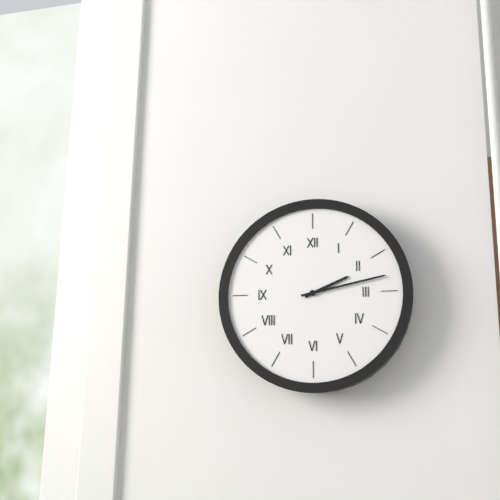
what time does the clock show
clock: 2:13
